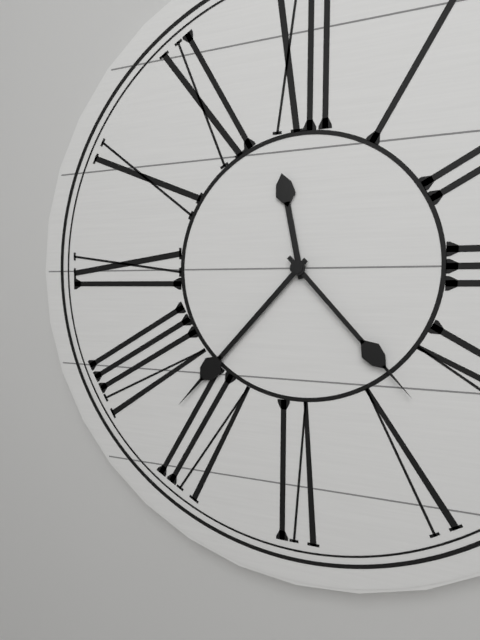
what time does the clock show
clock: 11:37:23
